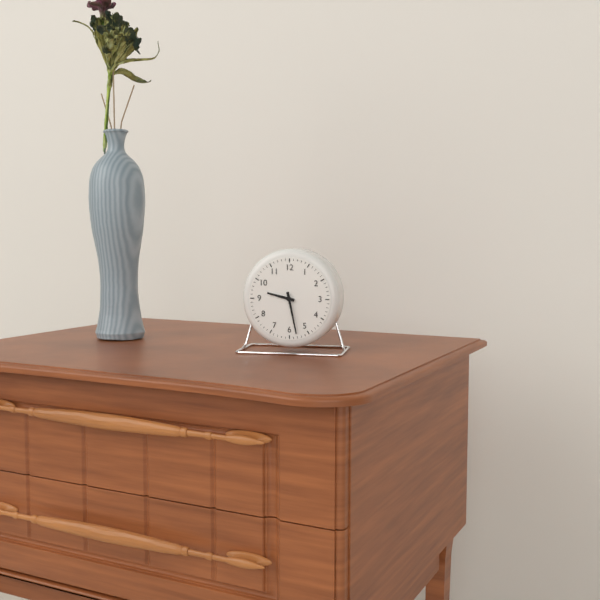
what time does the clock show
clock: 9:28
